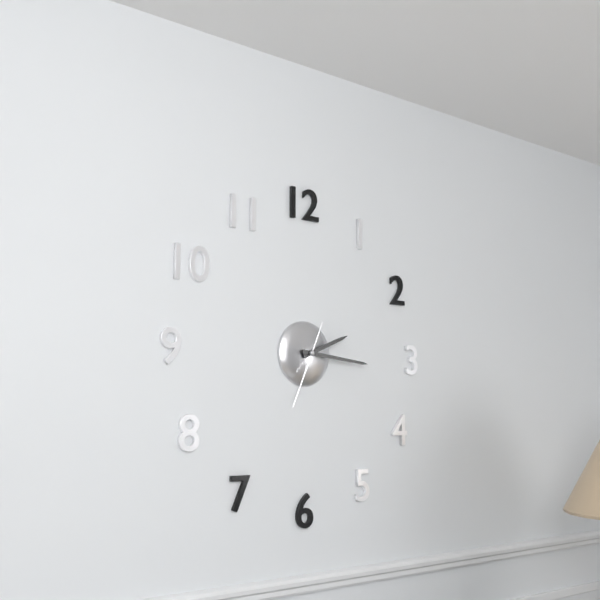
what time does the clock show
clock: 2:16:34
